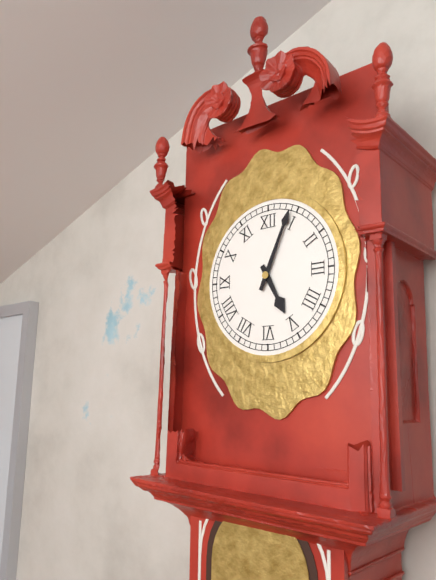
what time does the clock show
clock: 5:04
